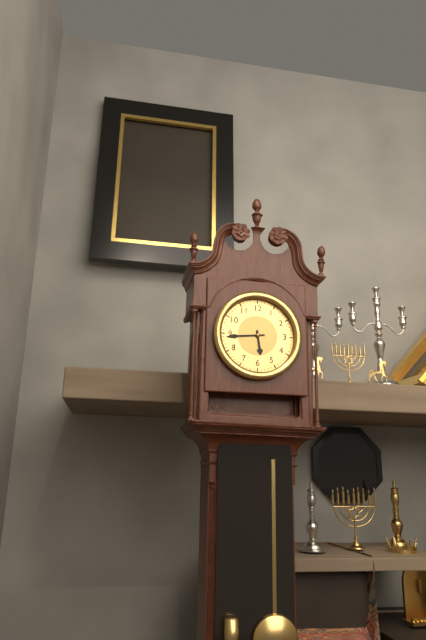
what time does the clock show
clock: 5:44
